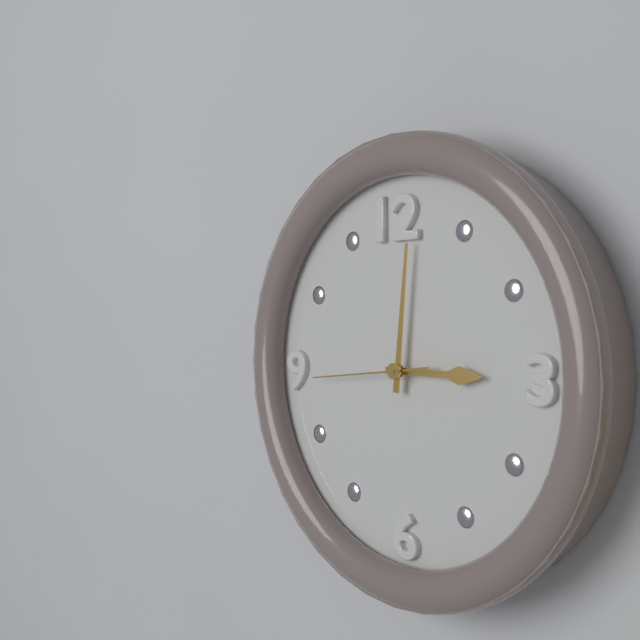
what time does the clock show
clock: 3:01:44
